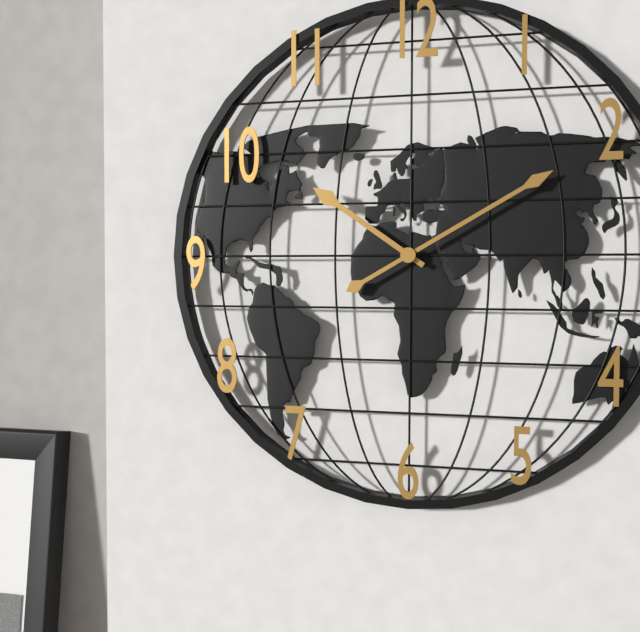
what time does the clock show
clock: 10:10
